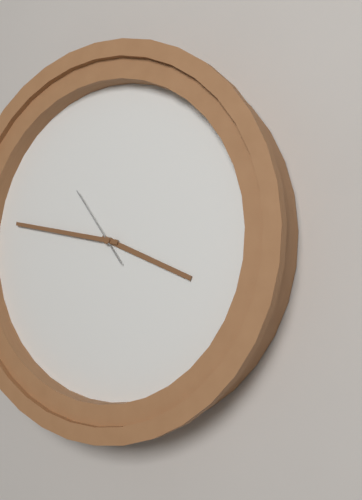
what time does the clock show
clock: 3:47:54
